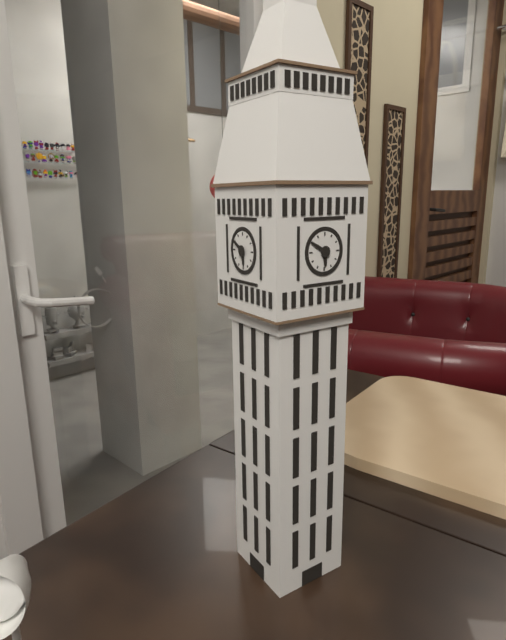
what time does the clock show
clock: 5:50
